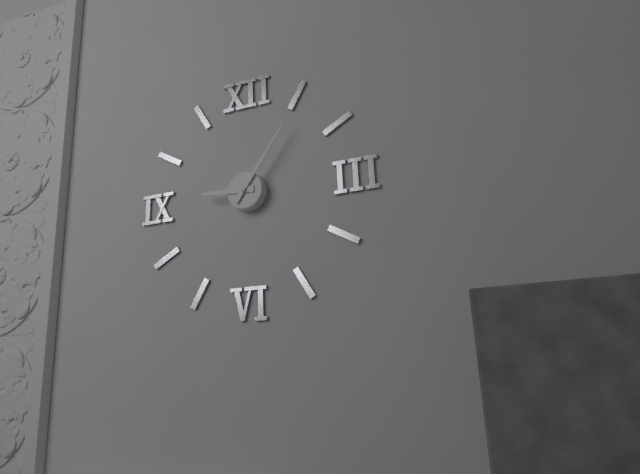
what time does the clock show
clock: 9:06
